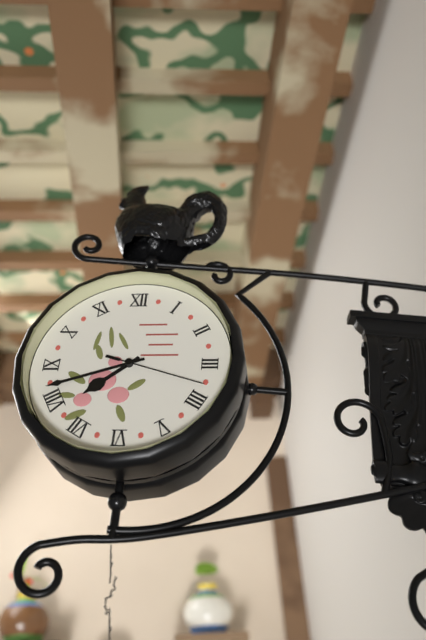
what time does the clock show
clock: 7:42:18
